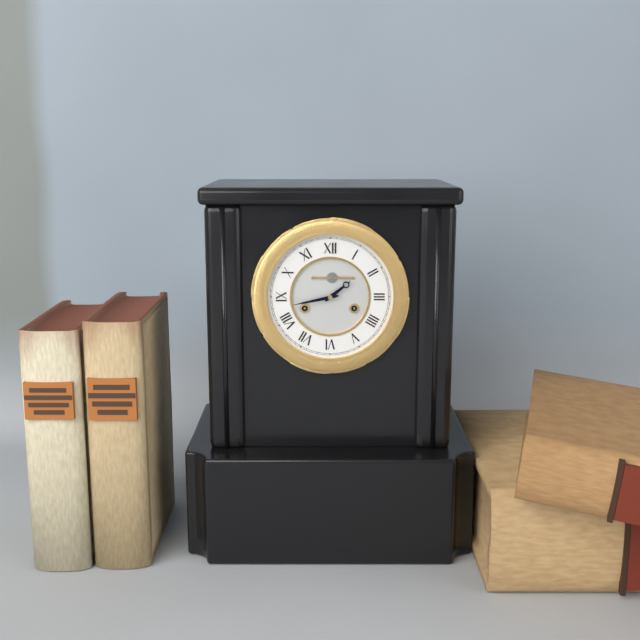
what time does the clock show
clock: 1:43
